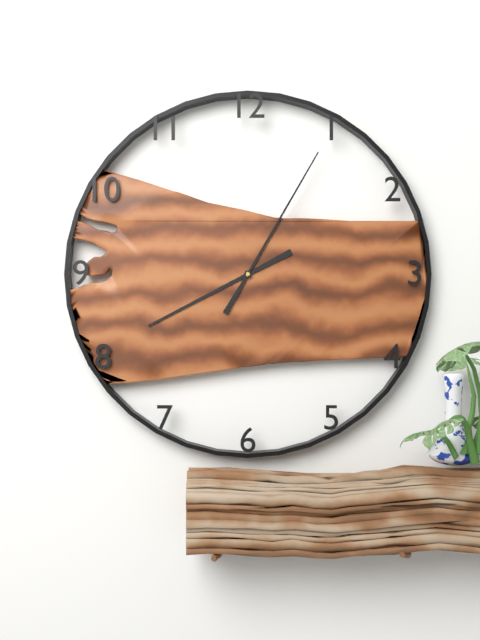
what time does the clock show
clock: 8:05
